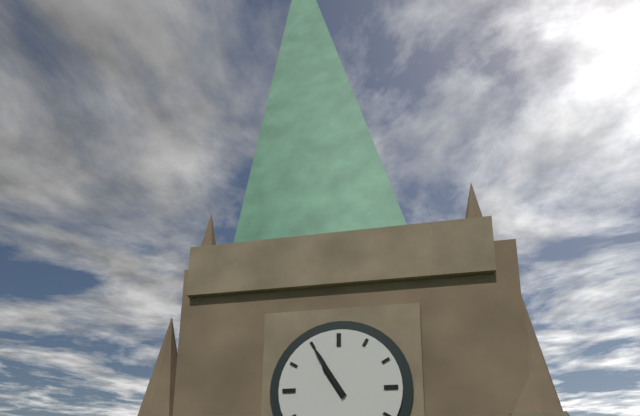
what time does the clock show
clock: 10:55
